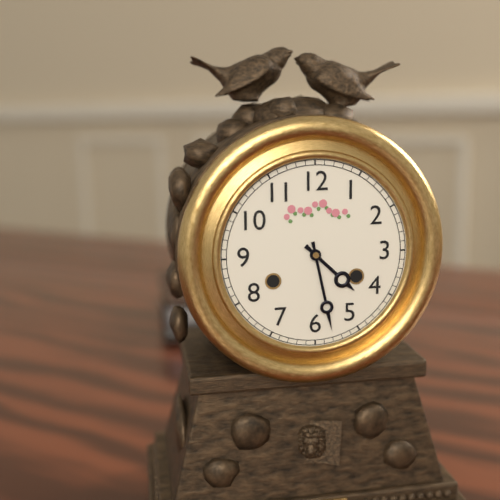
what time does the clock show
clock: 4:28
